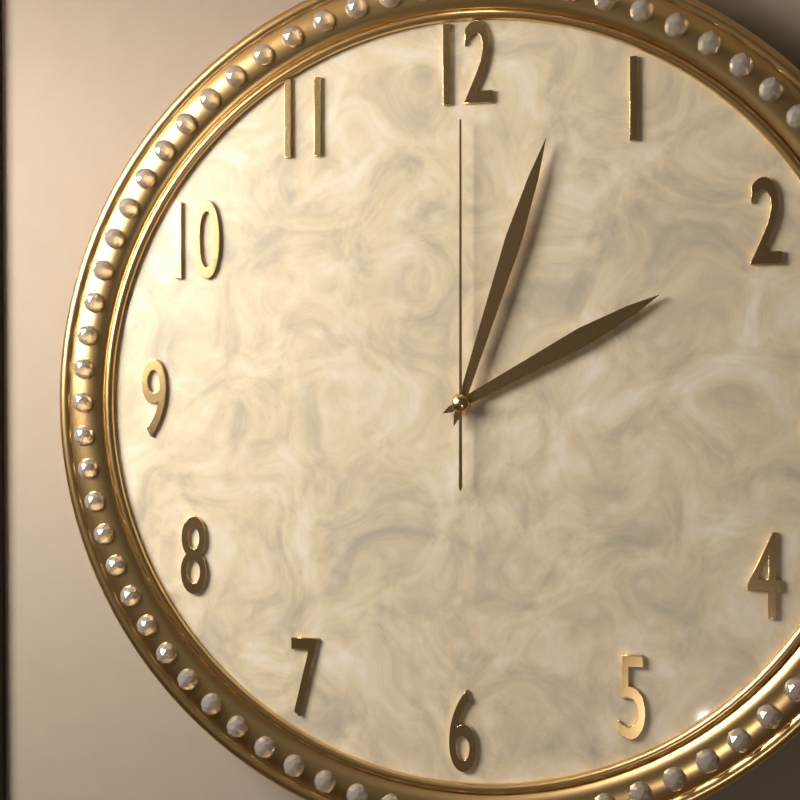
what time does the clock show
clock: 2:03:00
